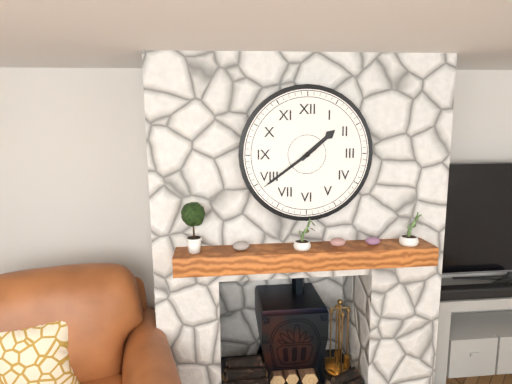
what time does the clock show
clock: 1:39
